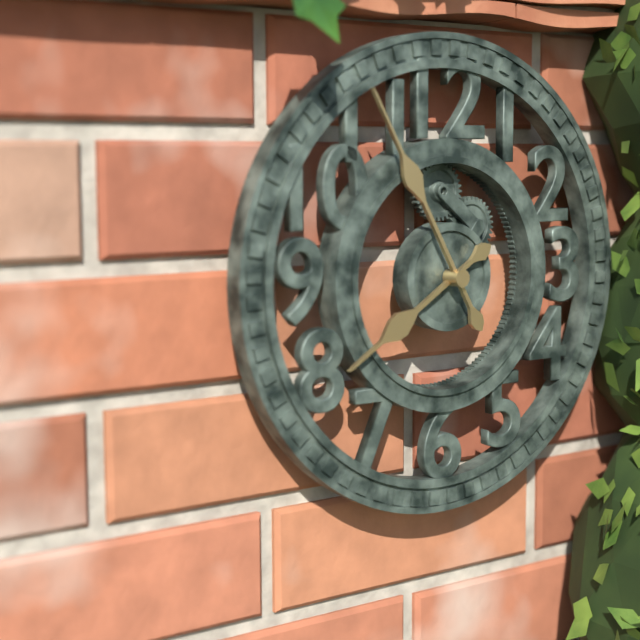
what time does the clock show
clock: 7:55
